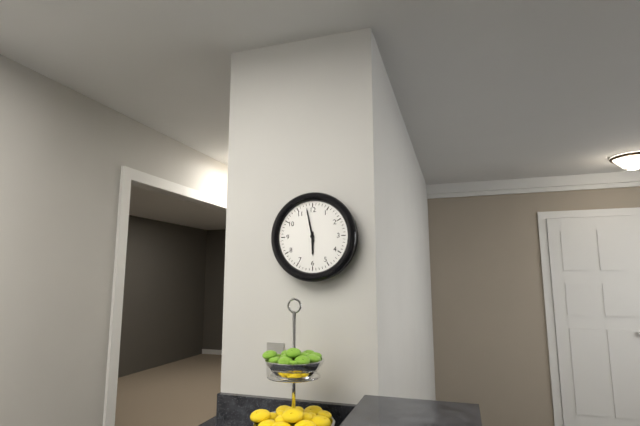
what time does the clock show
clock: 5:58
